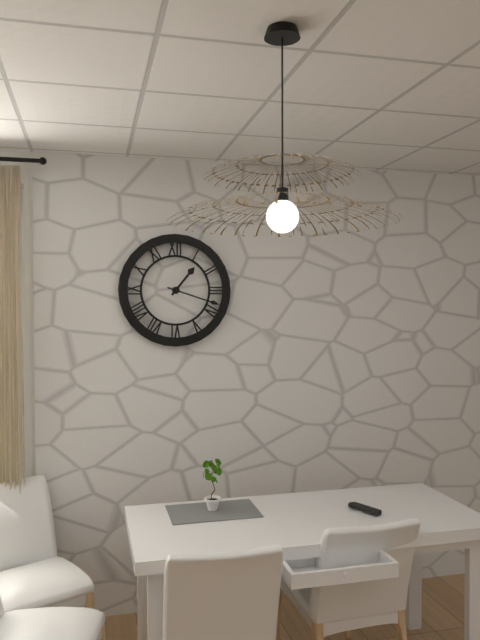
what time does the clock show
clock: 1:18
